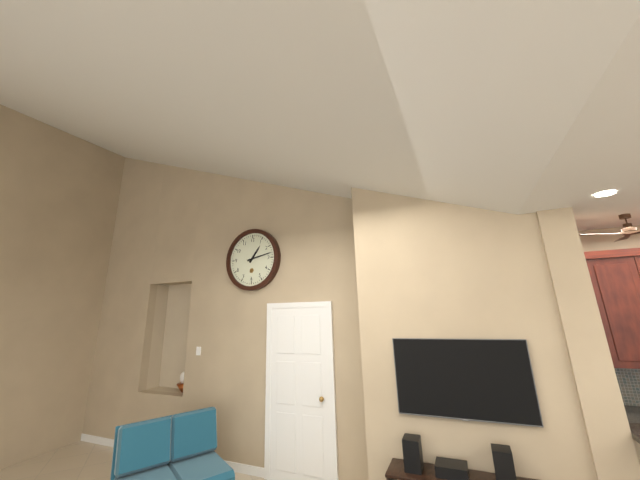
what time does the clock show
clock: 1:13
